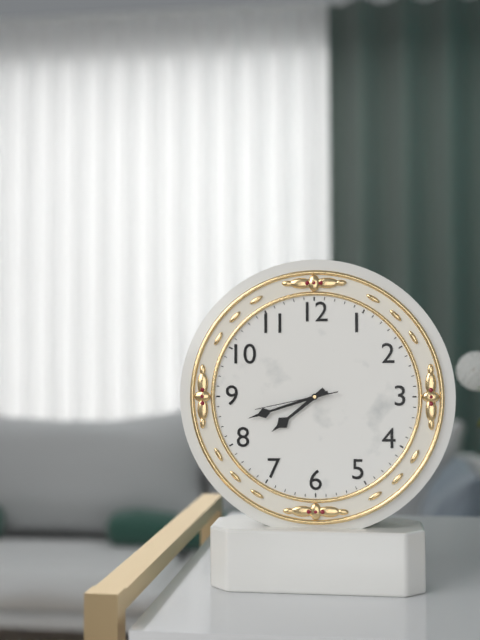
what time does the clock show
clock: 7:42:43
